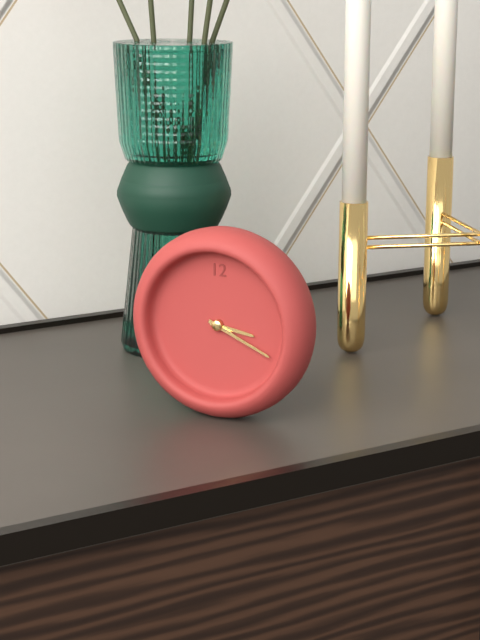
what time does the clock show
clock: 3:19
